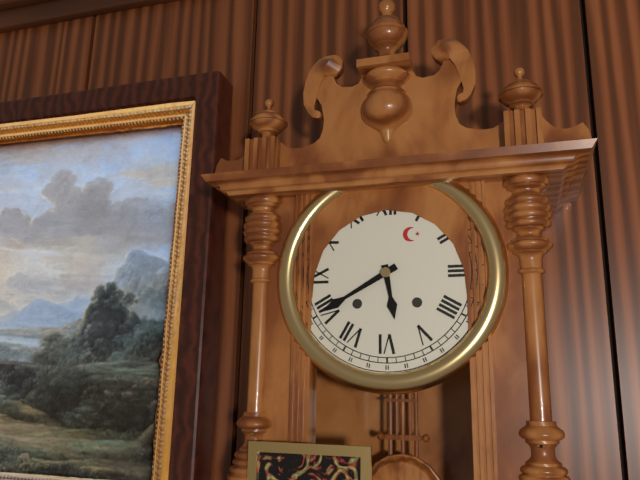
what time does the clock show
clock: 5:40
